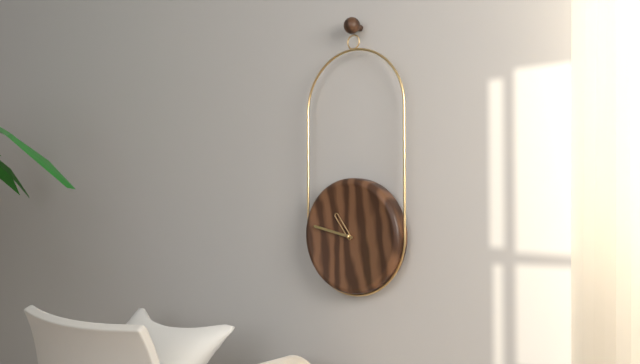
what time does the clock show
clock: 10:47
